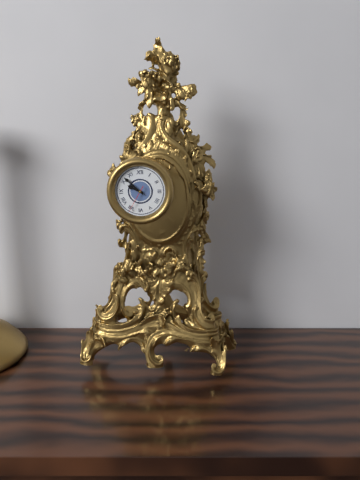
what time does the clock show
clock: 9:52
